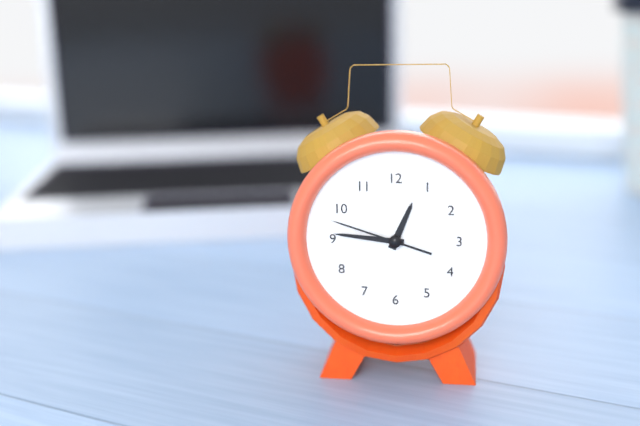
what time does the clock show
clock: 12:46:48
